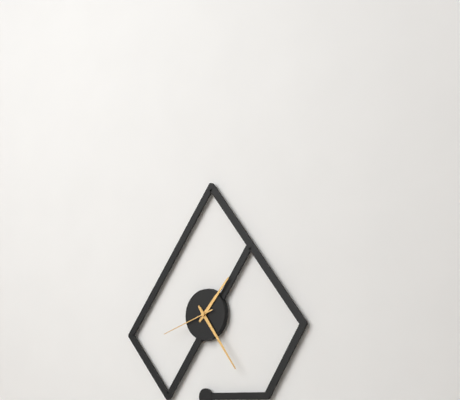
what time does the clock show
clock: 1:24:42
